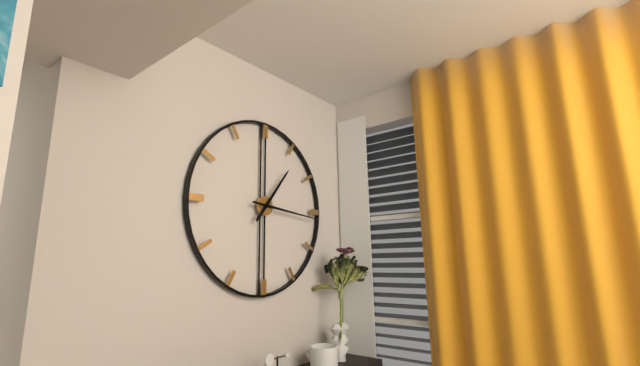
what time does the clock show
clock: 1:16
